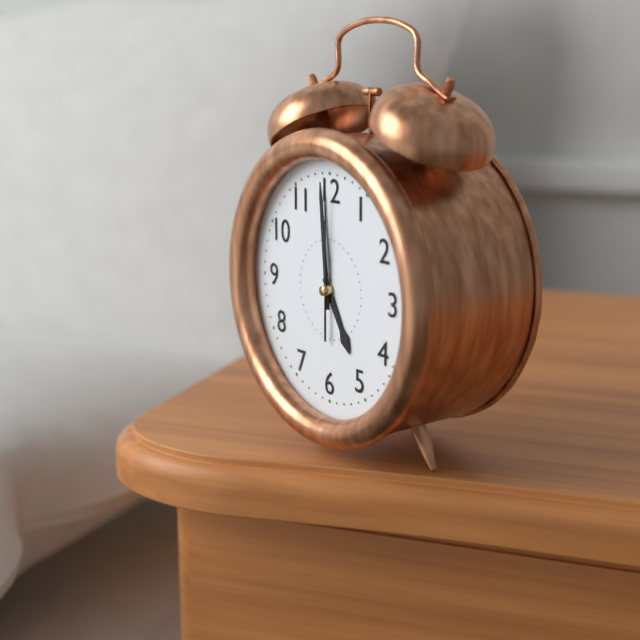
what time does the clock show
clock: 4:59:00
